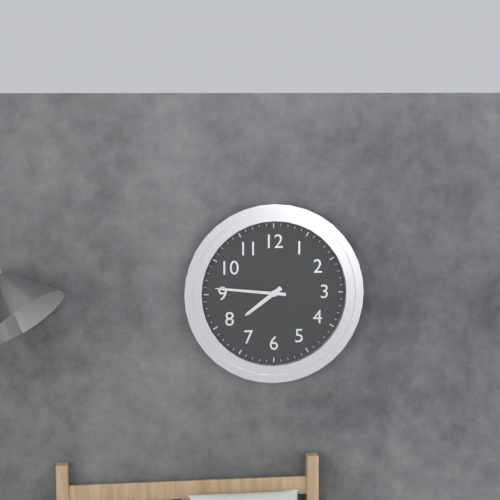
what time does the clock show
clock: 7:46
